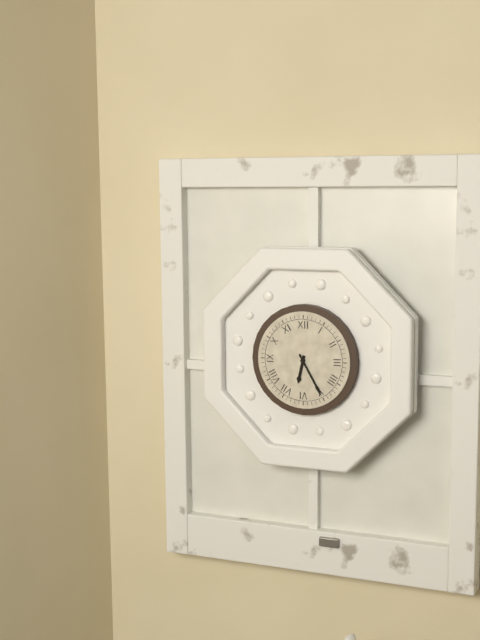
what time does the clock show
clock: 6:25
